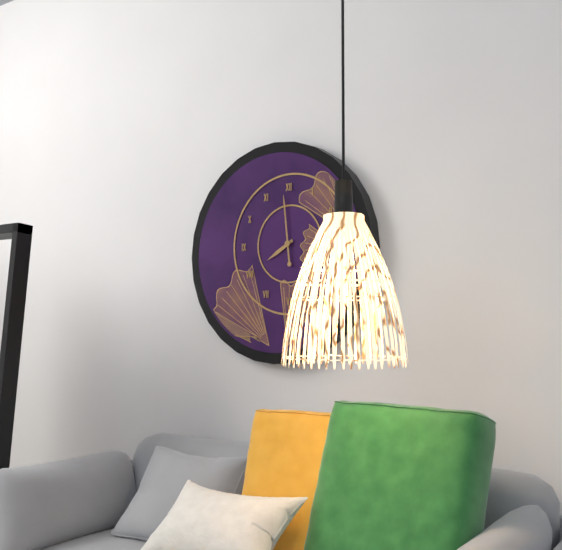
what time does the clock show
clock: 7:59
